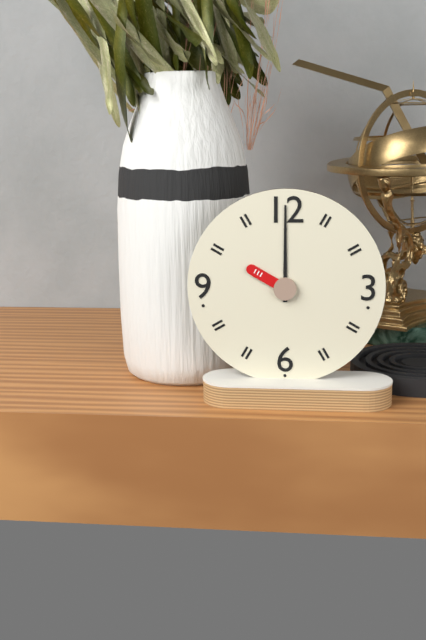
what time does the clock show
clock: 10:00
